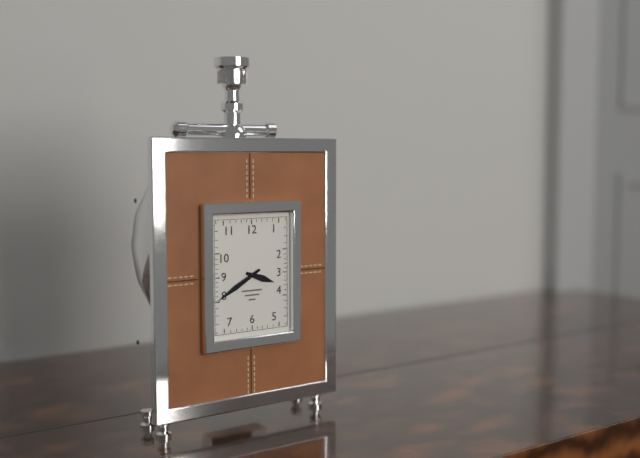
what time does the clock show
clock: 3:40
